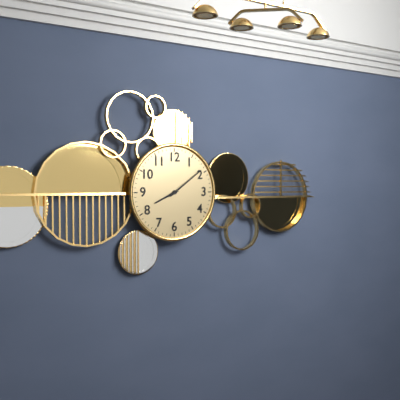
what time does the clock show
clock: 8:09
